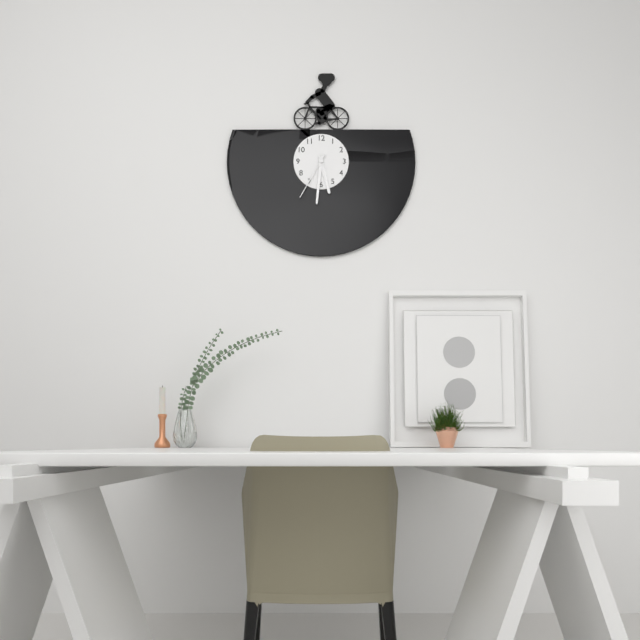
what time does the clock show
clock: 5:31
